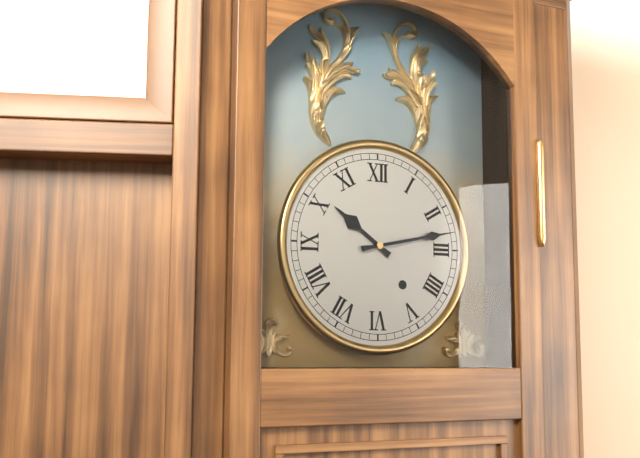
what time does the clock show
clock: 10:13
